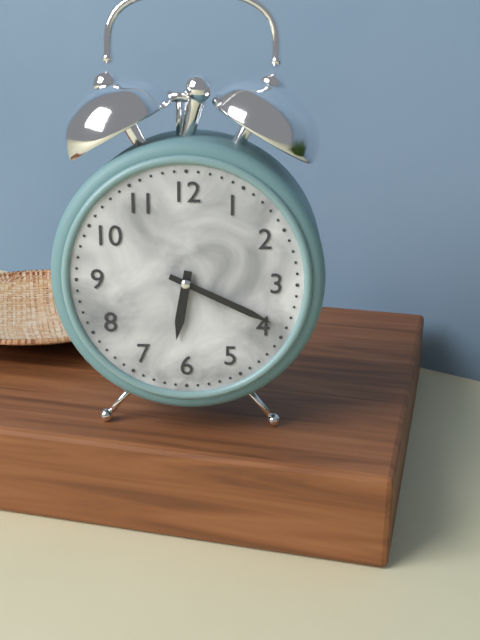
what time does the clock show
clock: 6:19
